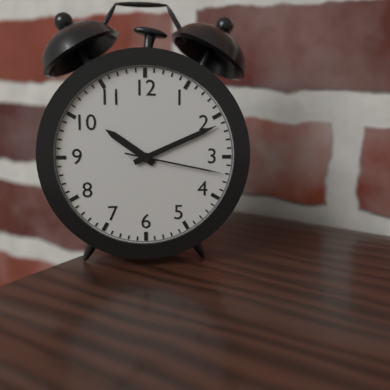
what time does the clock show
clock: 10:11:17
